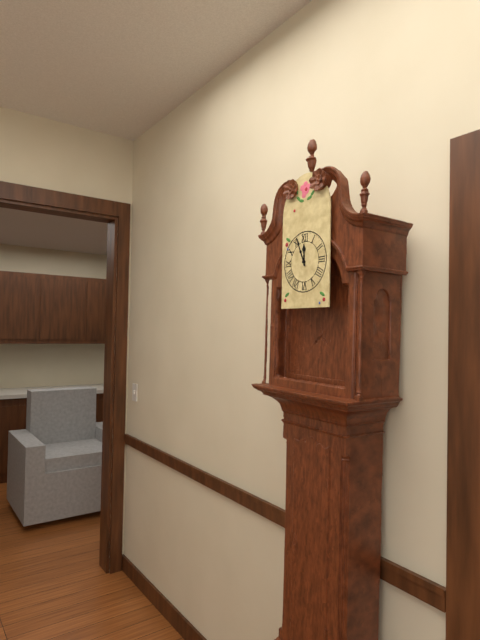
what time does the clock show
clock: 11:56
